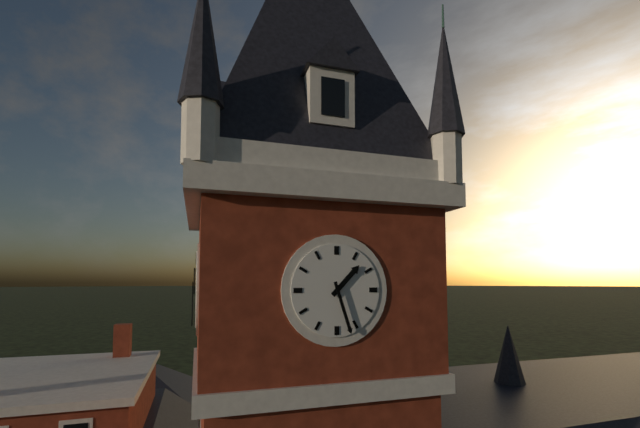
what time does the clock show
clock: 1:27
